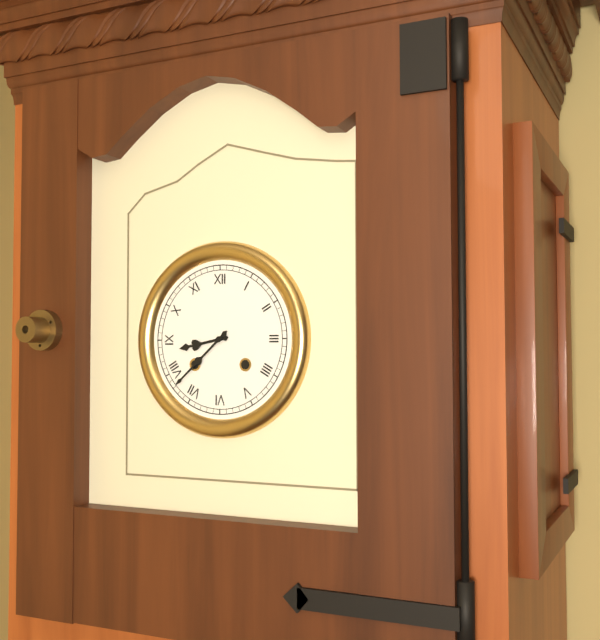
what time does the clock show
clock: 8:38
